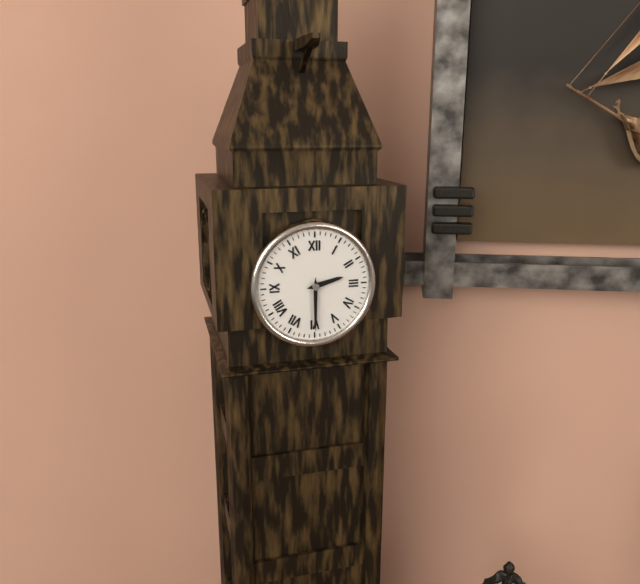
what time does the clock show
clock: 2:30
